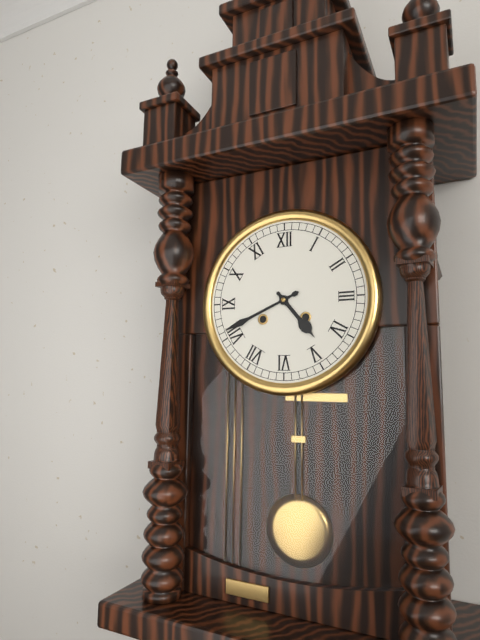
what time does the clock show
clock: 4:41
